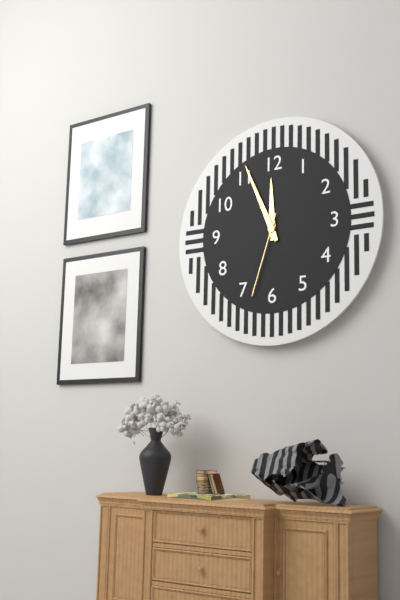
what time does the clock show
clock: 11:56:33
